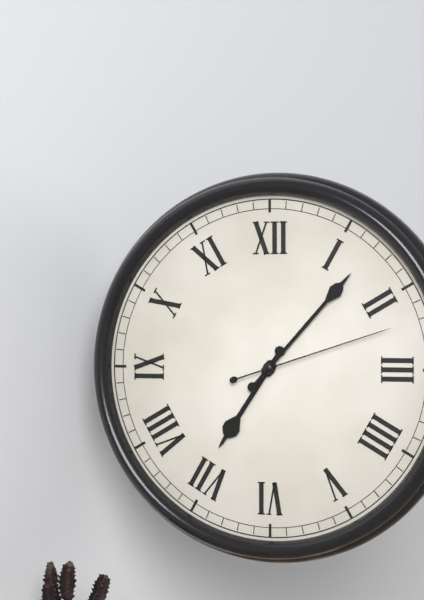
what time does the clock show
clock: 7:07:12
